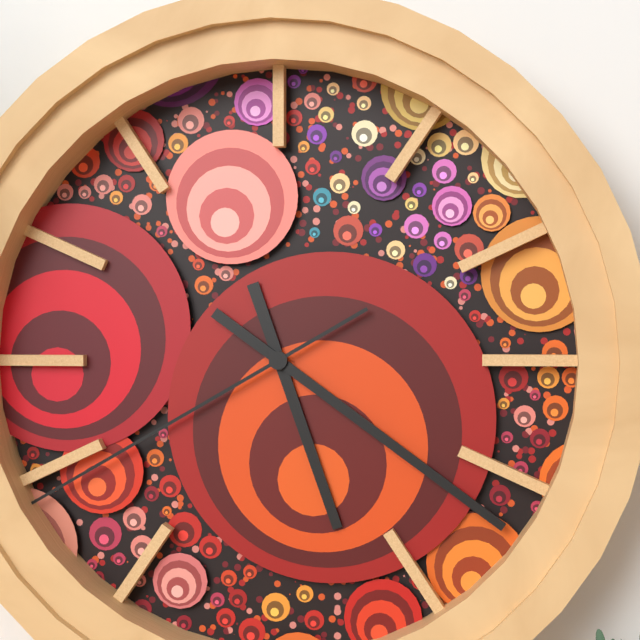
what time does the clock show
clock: 5:21:40
